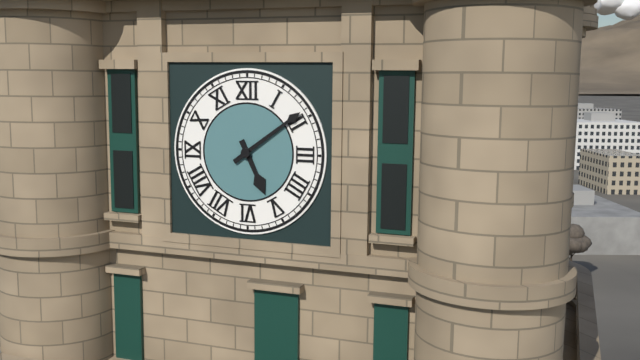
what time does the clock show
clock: 5:09
